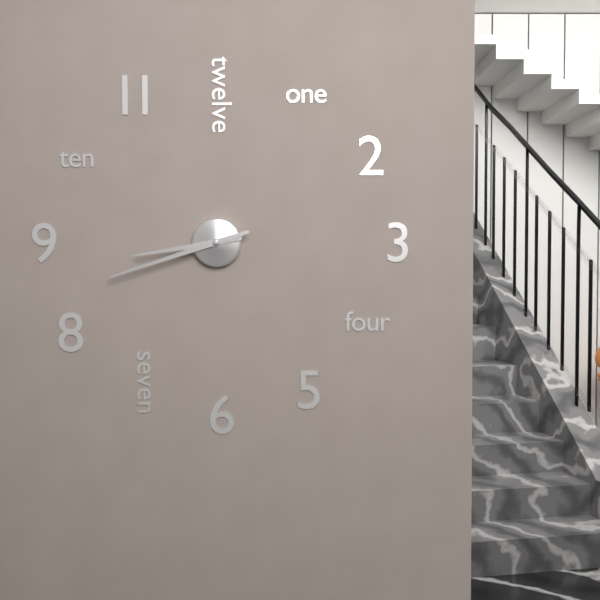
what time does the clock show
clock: 8:42
